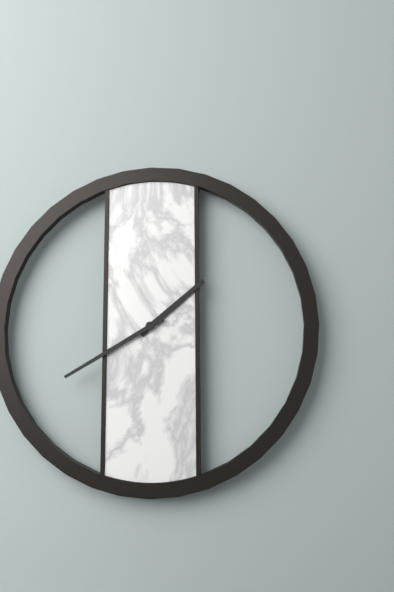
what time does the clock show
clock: 1:40
